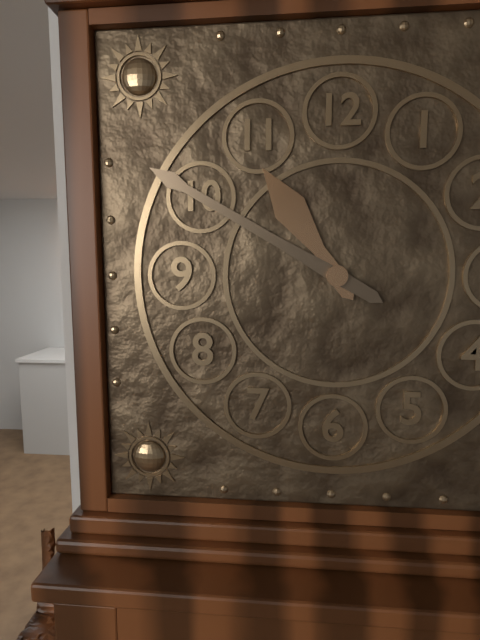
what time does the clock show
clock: 10:50
